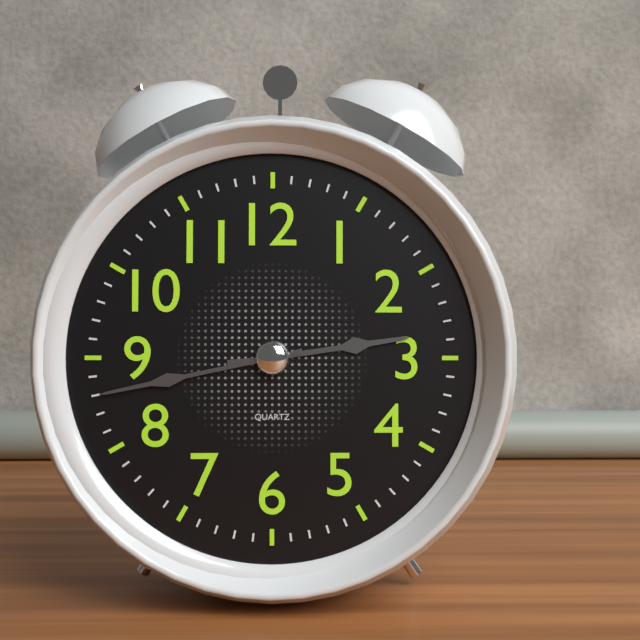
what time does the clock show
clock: 2:43
